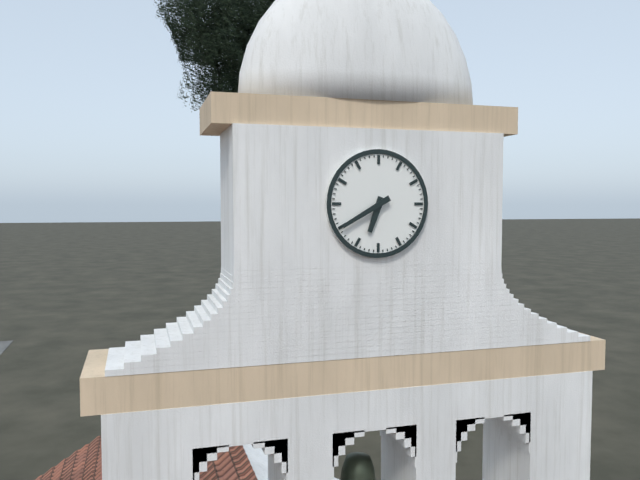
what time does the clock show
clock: 6:40
